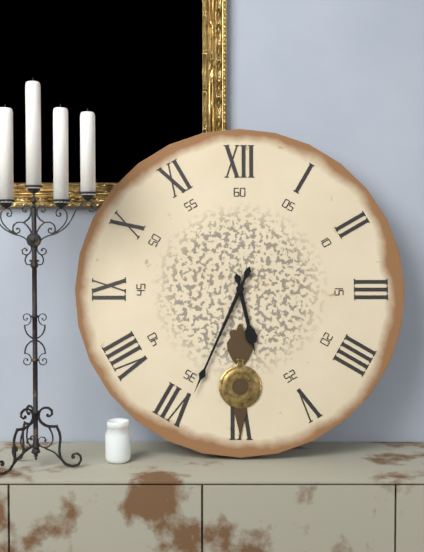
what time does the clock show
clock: 5:34
